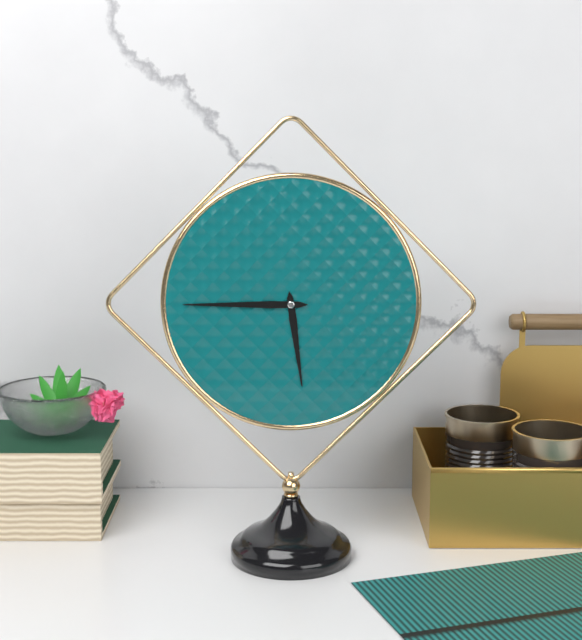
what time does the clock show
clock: 5:45
